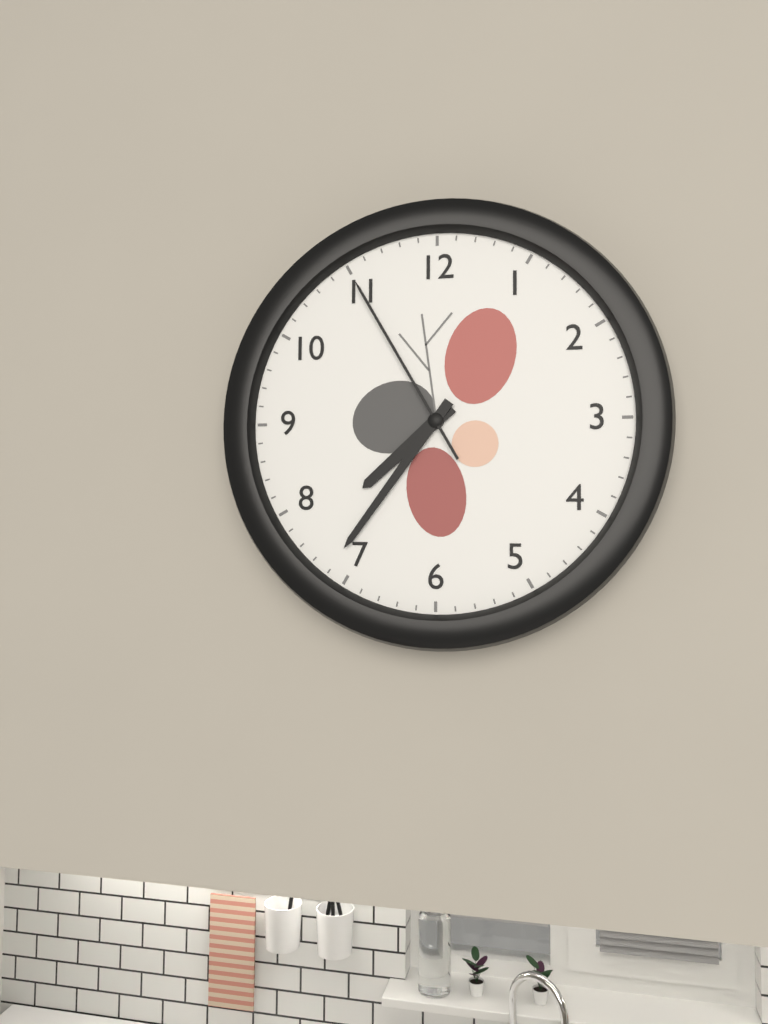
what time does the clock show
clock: 7:36:55
